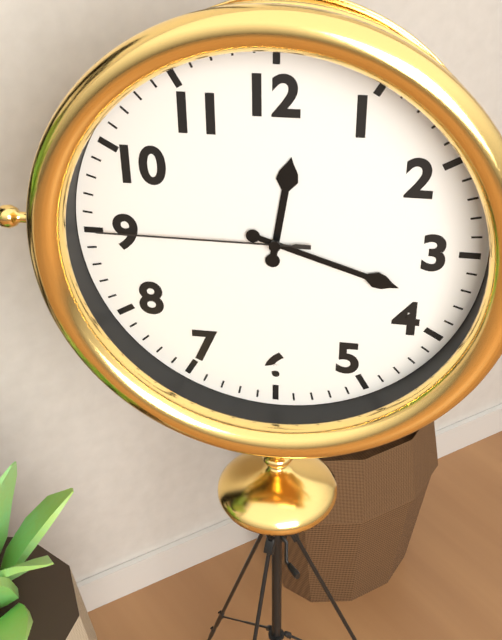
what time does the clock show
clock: 12:18:45
